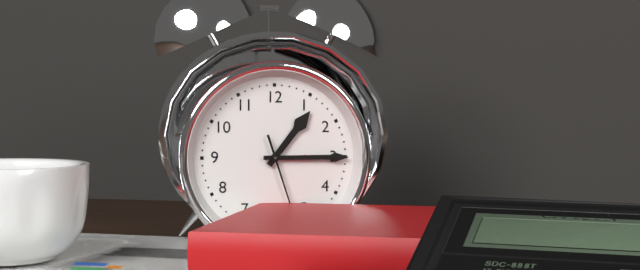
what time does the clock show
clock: 1:15
